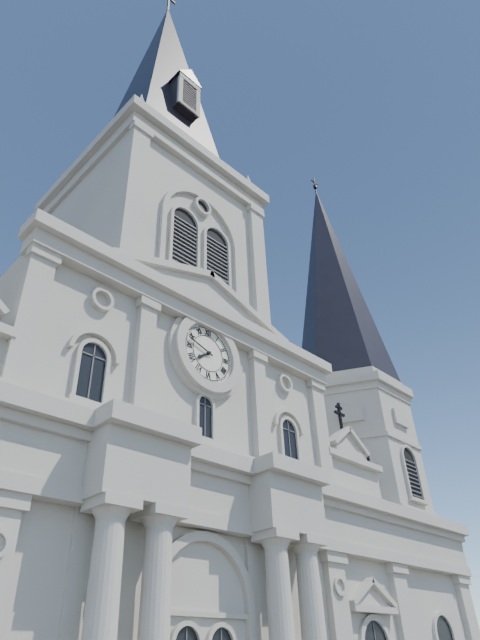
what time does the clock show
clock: 7:48
